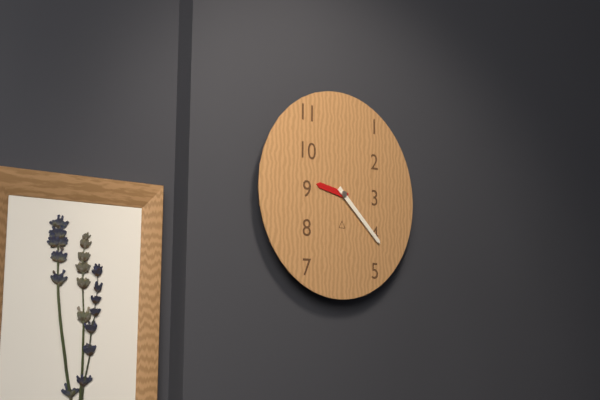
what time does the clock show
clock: 9:22
